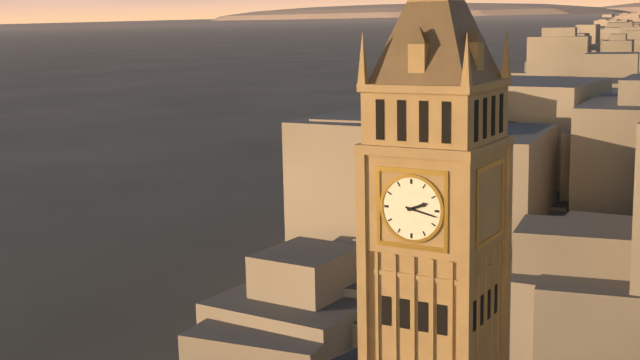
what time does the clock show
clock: 2:17
